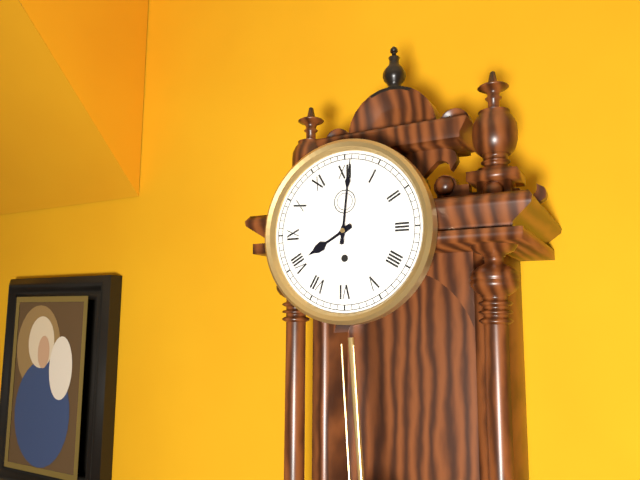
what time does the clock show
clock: 8:01
